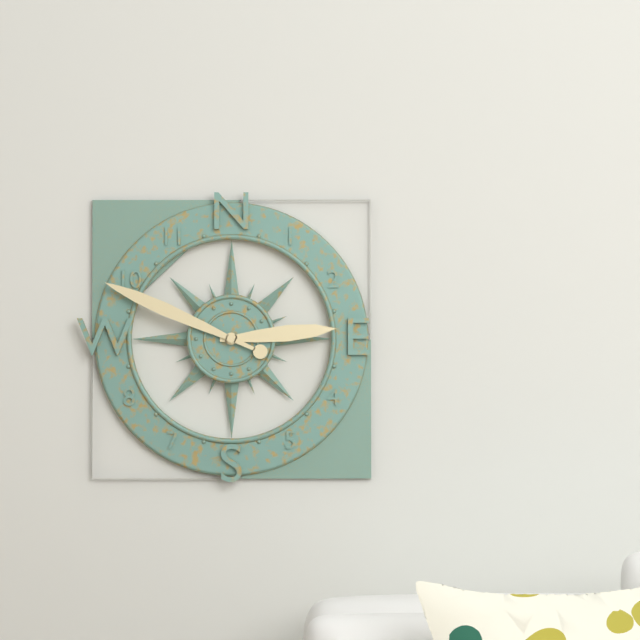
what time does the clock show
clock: 2:49
